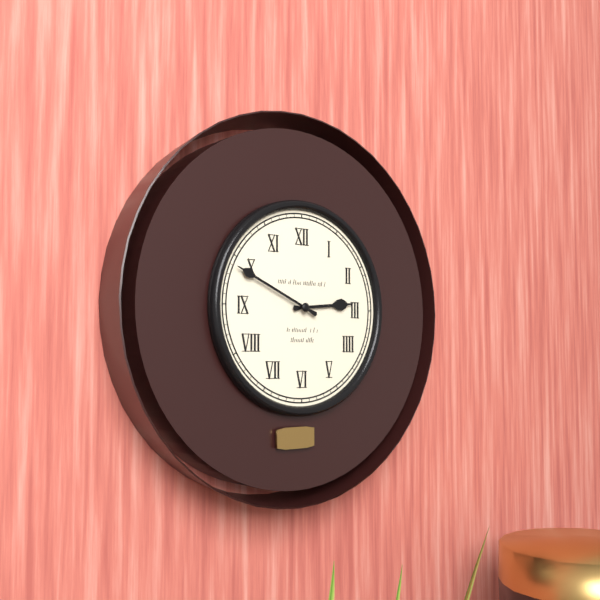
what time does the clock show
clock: 2:49
